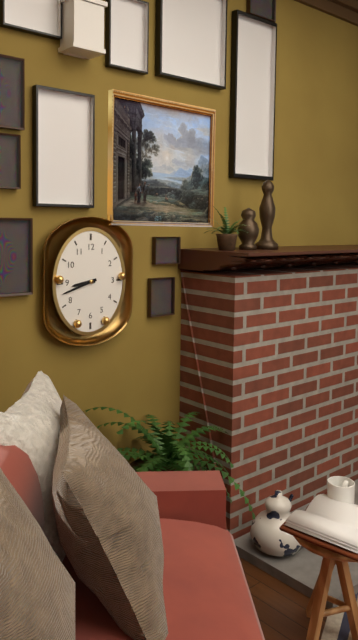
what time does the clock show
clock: 8:42
